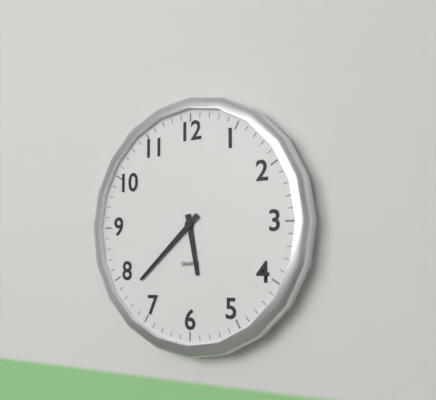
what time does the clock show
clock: 5:38
